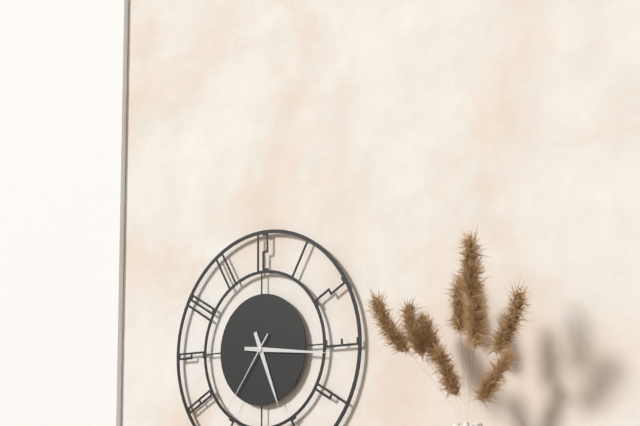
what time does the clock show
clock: 5:16:36
